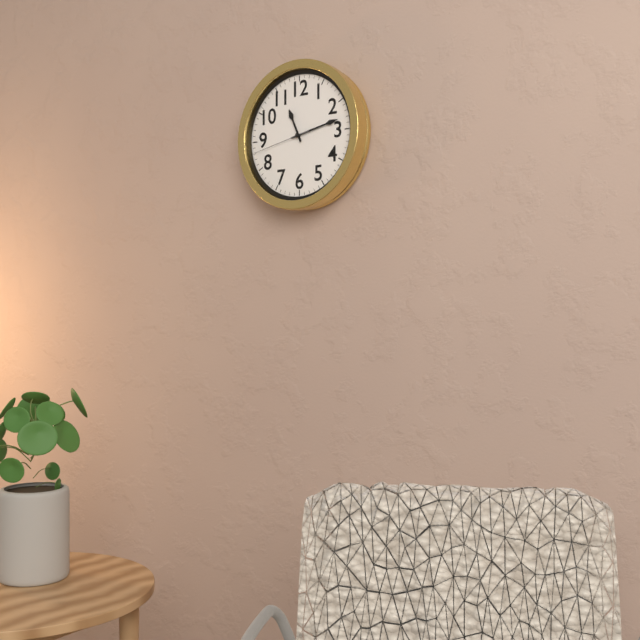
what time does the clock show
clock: 11:13:43
